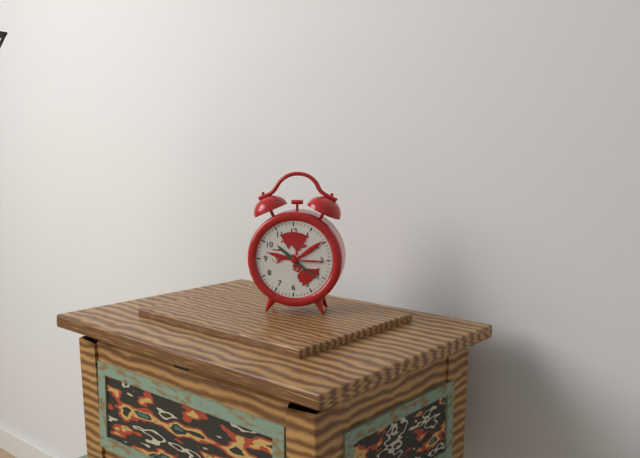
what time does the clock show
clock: 10:21
